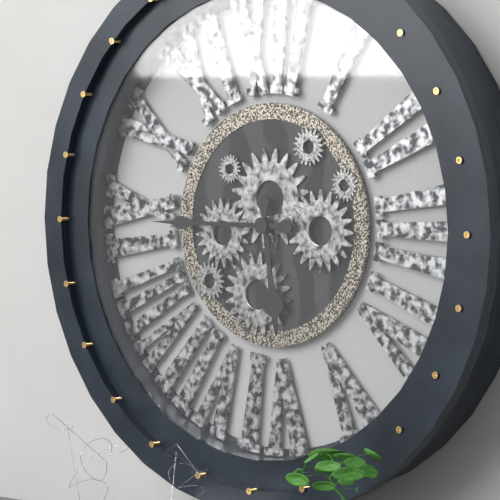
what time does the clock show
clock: 5:45
